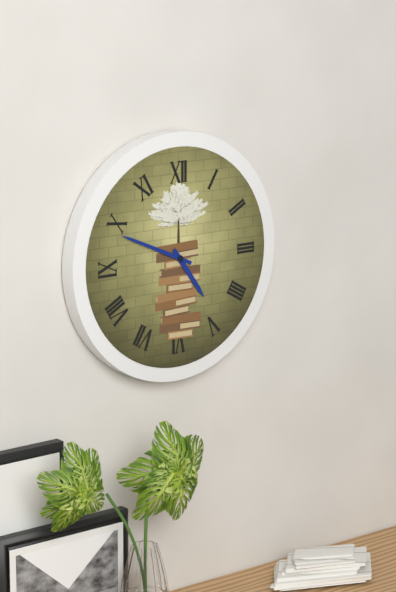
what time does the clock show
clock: 4:49
